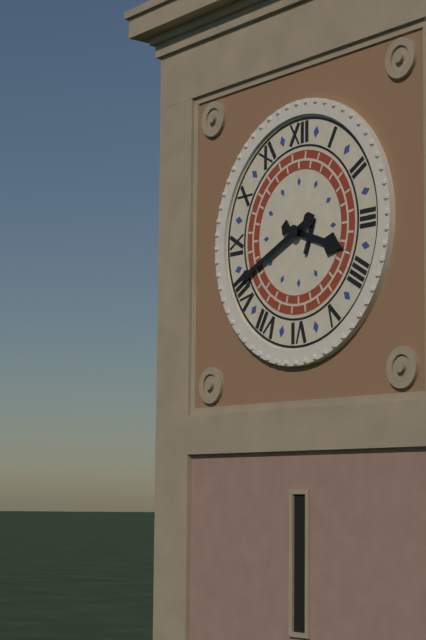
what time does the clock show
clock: 3:41
